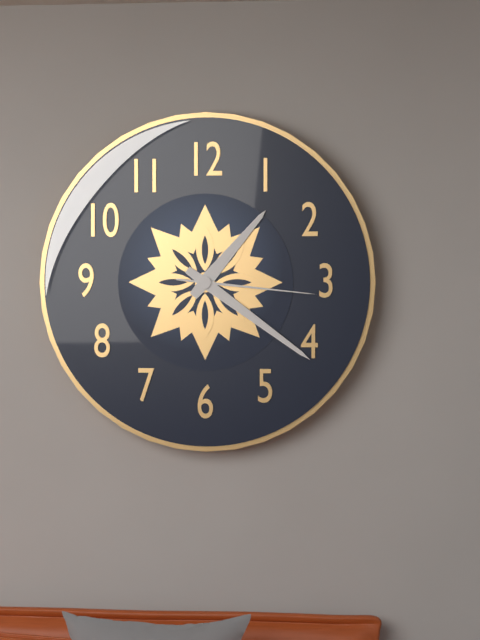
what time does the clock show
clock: 1:21:16
